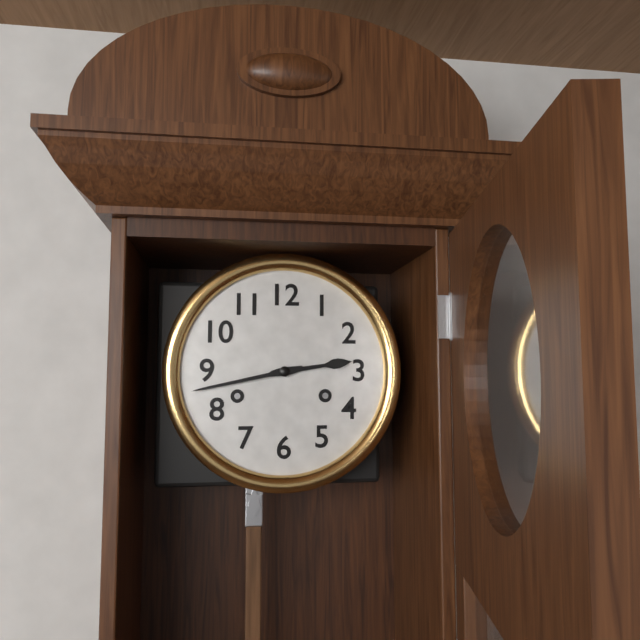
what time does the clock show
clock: 2:43
